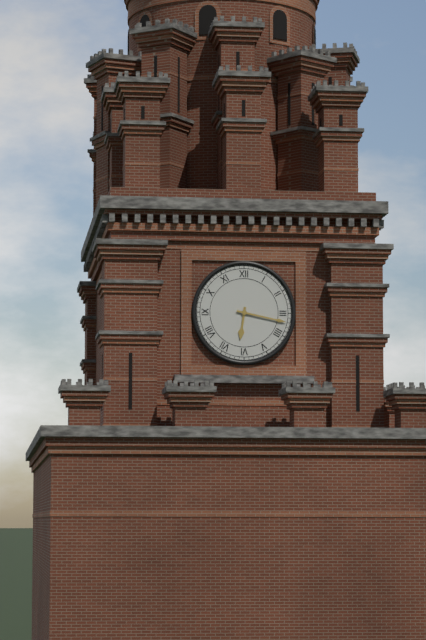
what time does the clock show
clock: 6:17
